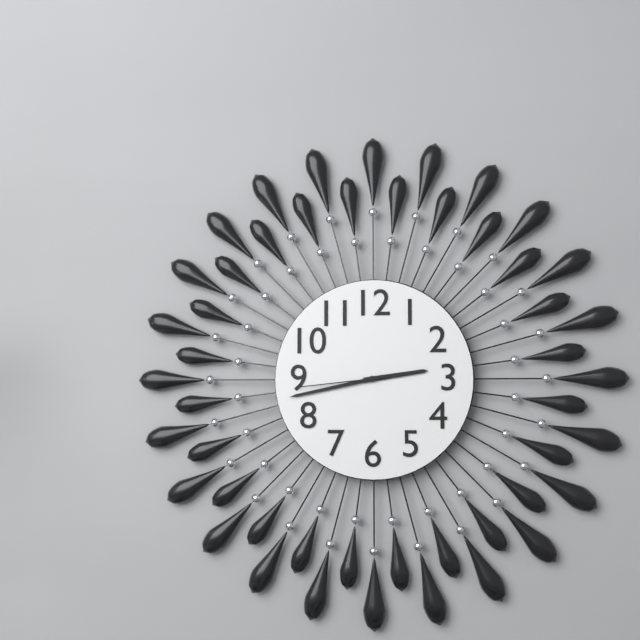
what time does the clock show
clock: 2:43:44
